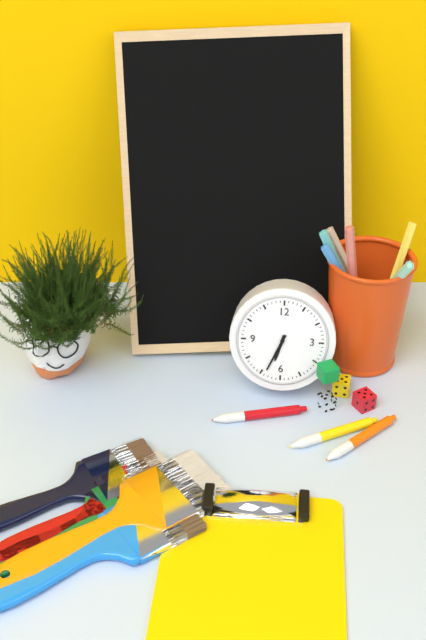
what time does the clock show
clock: 6:34
